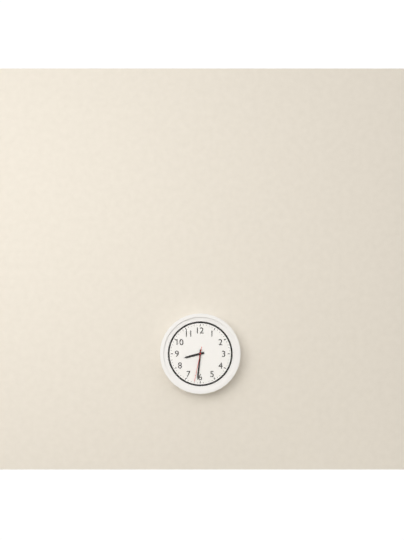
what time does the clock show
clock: 8:31
